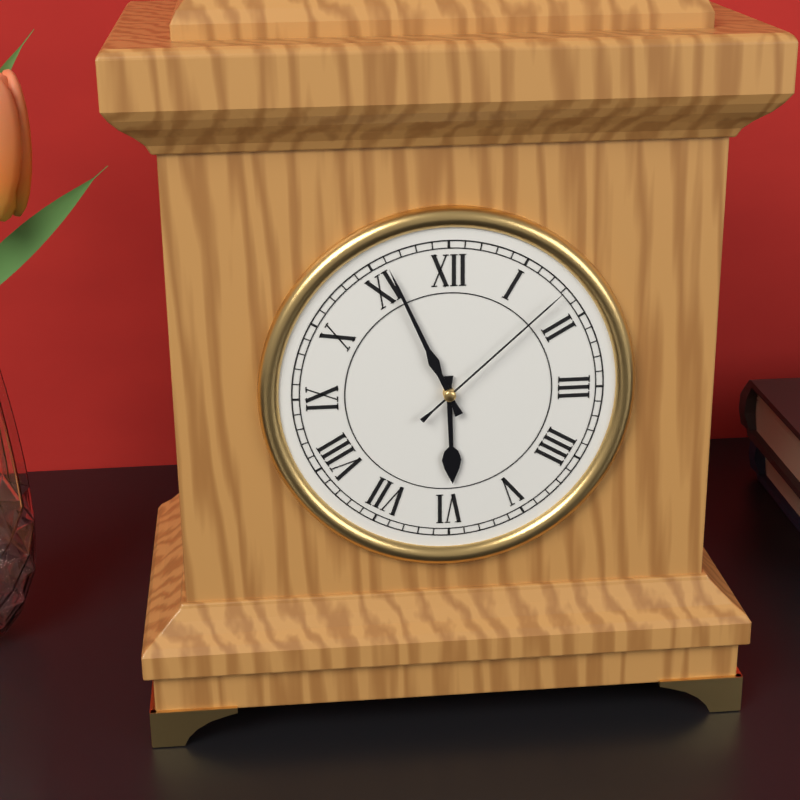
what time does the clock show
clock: 5:56:08
